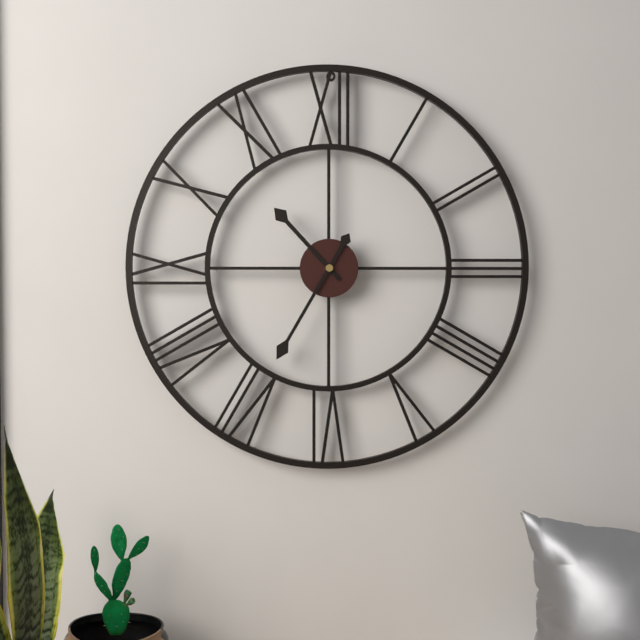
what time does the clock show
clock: 10:35
